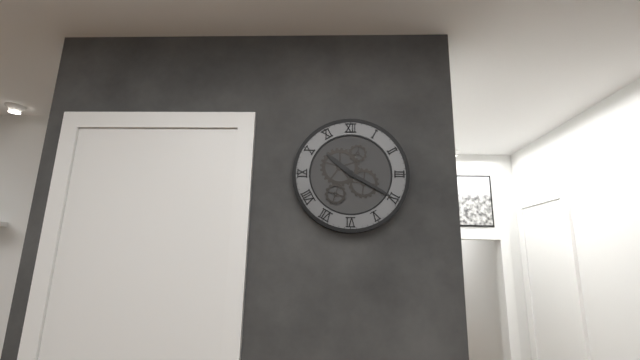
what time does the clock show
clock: 10:20
